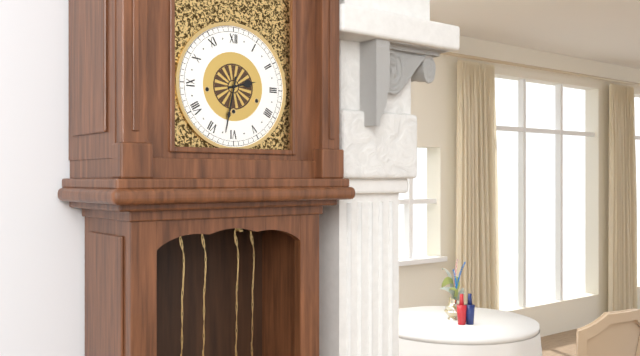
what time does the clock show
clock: 2:32
